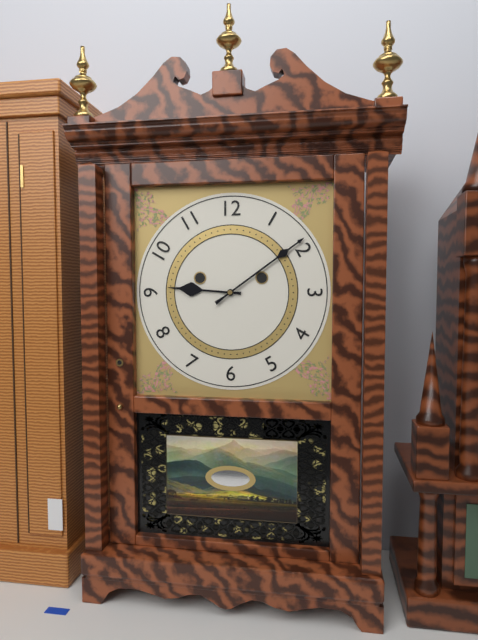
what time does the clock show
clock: 9:09
